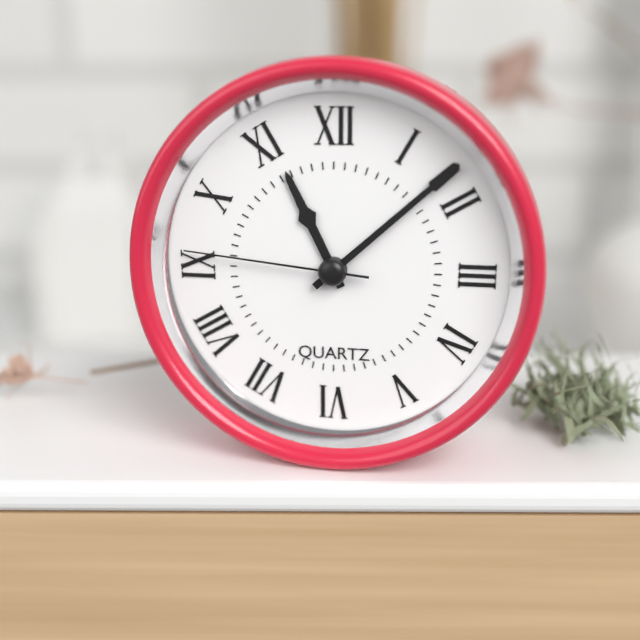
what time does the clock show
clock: 11:08:46
